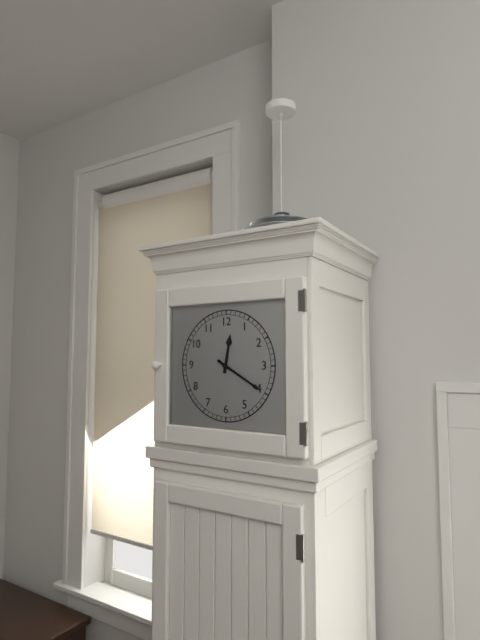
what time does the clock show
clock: 12:20
